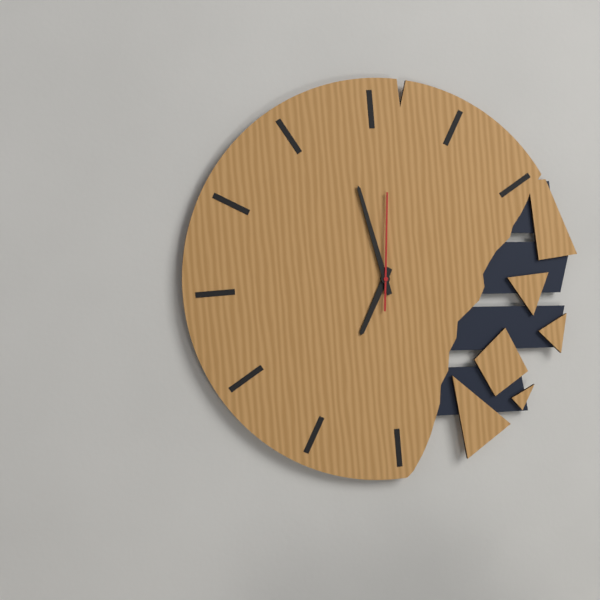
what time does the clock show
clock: 6:58:01
